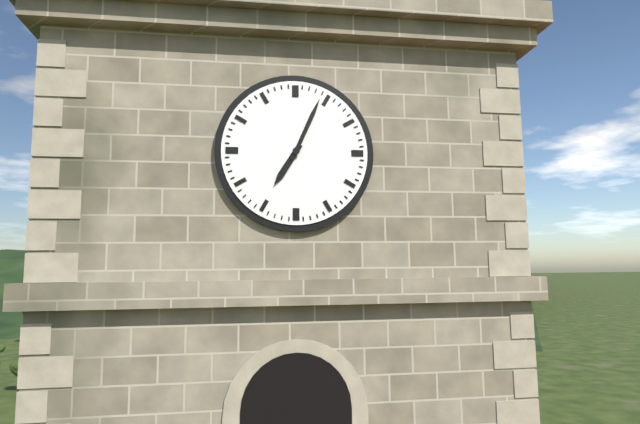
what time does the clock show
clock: 7:04
